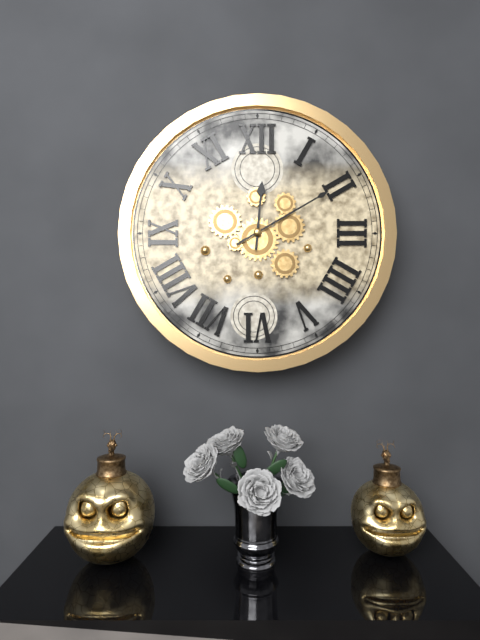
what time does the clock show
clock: 12:10
